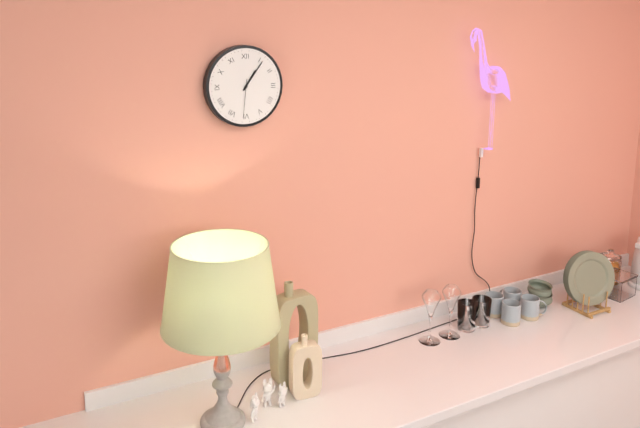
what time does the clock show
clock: 1:06
